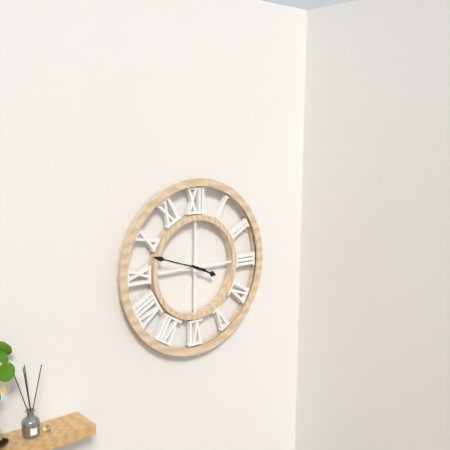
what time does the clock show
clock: 3:48
